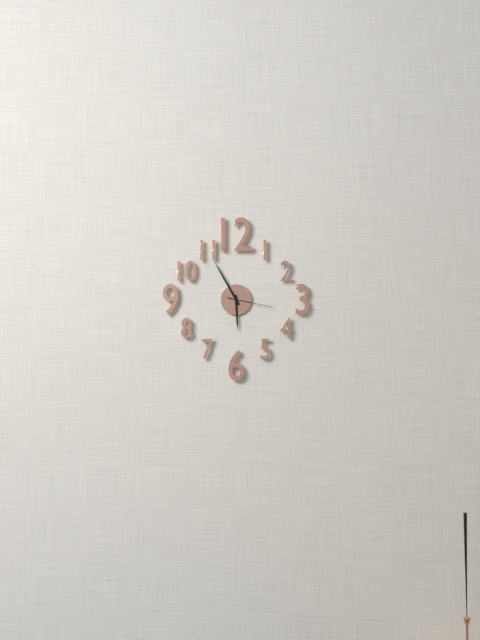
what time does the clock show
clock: 5:55
